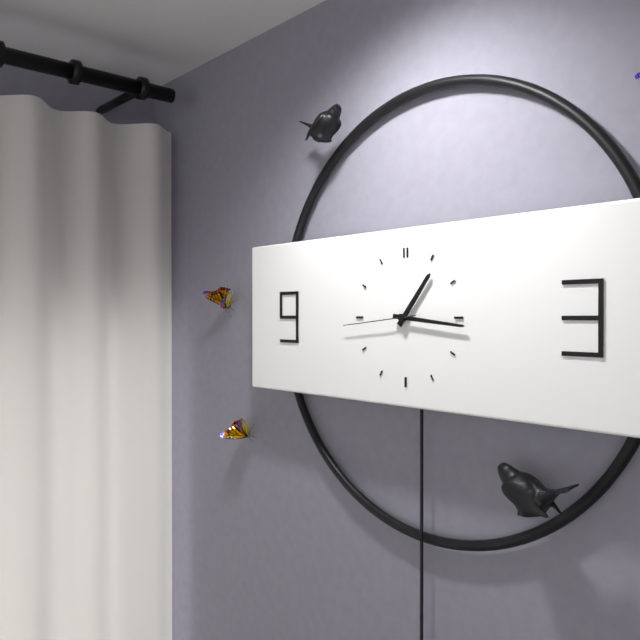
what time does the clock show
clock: 1:16:44
